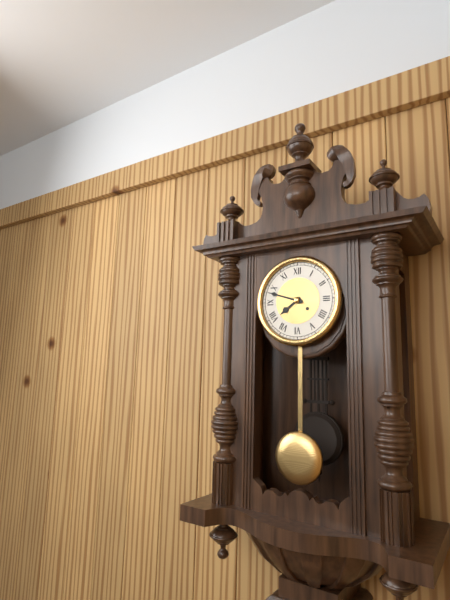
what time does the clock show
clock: 7:48
